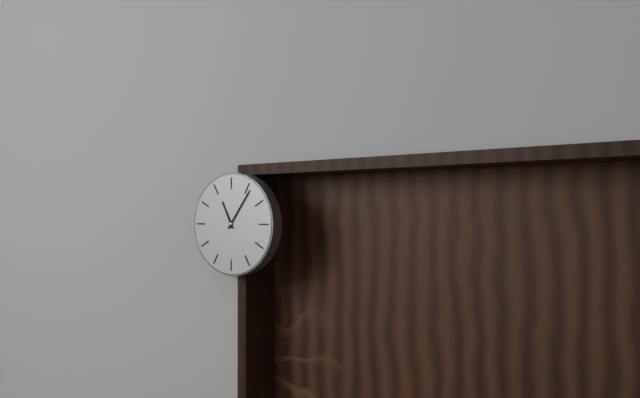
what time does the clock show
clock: 11:06
